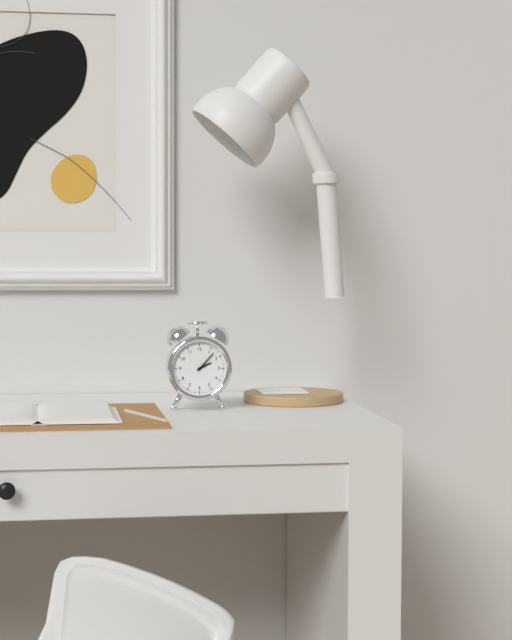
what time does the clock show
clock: 2:07
